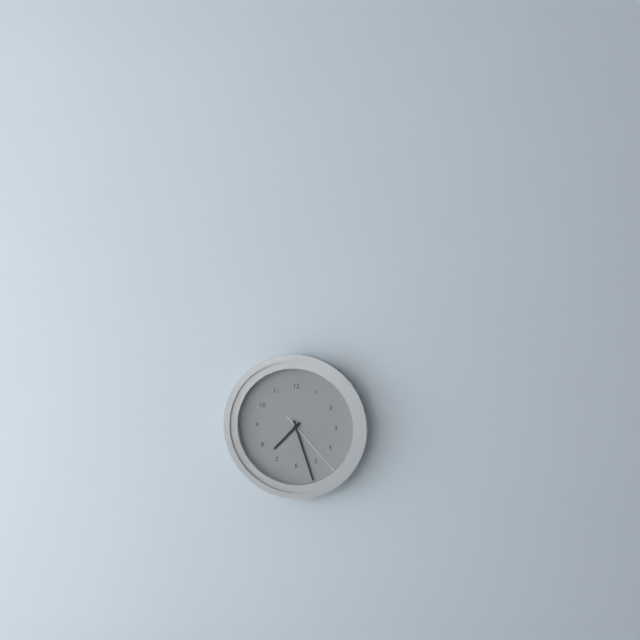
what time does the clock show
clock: 7:27:23
